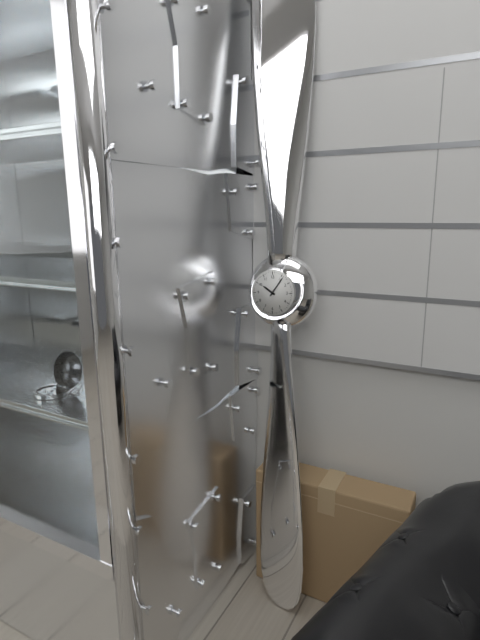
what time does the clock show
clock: 10:06
